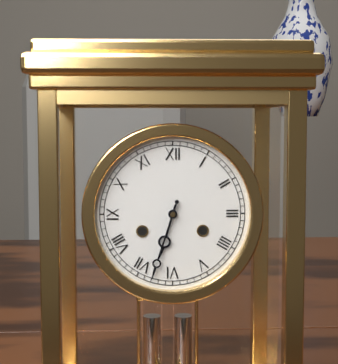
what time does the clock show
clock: 6:33
